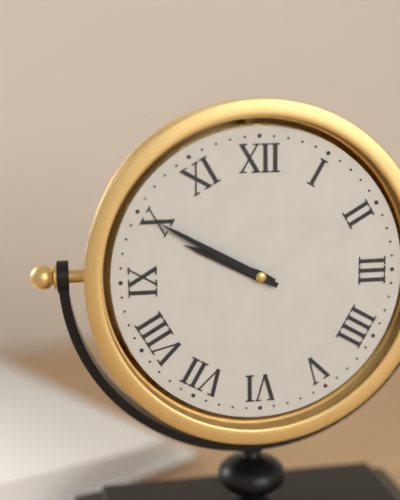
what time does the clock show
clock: 9:50
